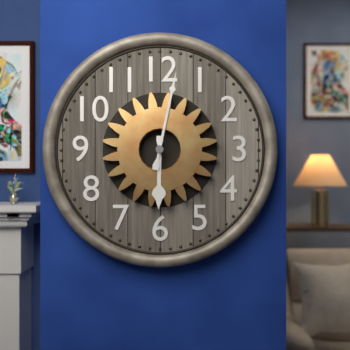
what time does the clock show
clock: 6:02
